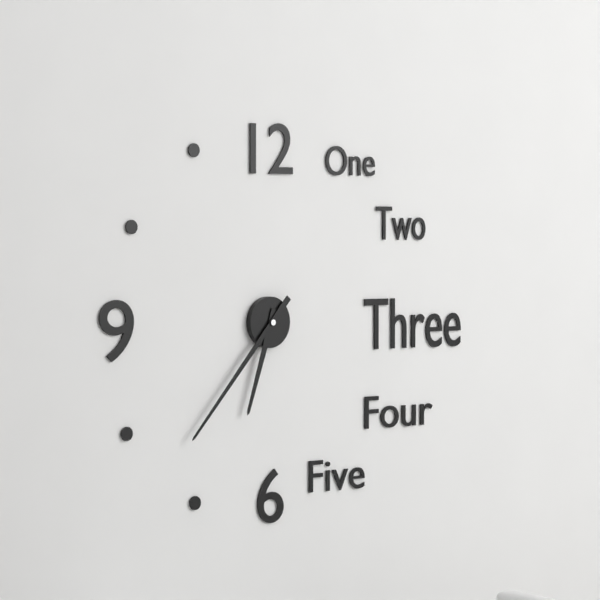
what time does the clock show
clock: 6:37
